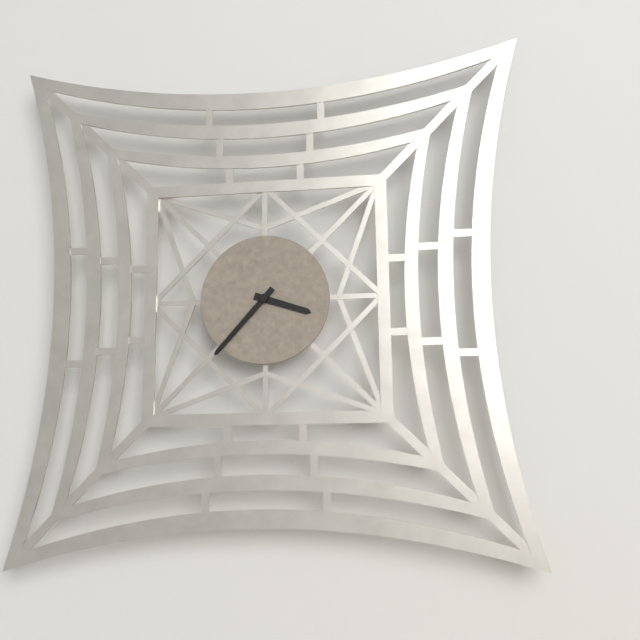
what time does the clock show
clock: 3:37
